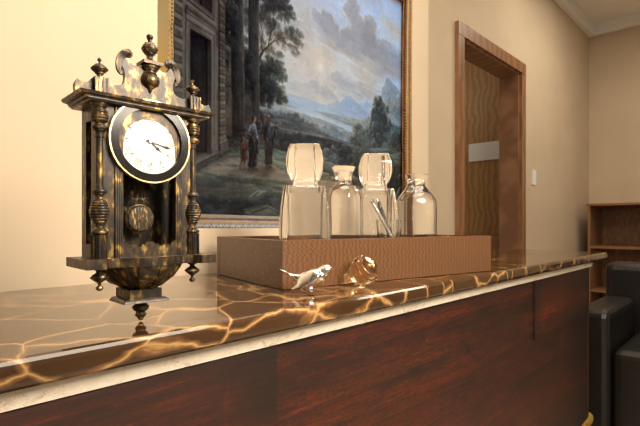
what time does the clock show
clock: 4:17
